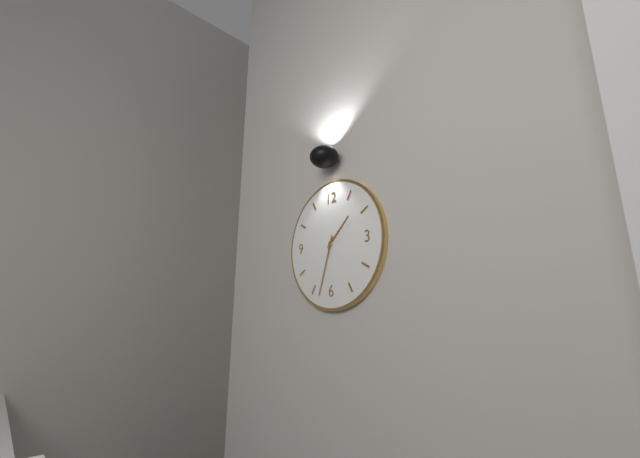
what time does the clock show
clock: 1:33
